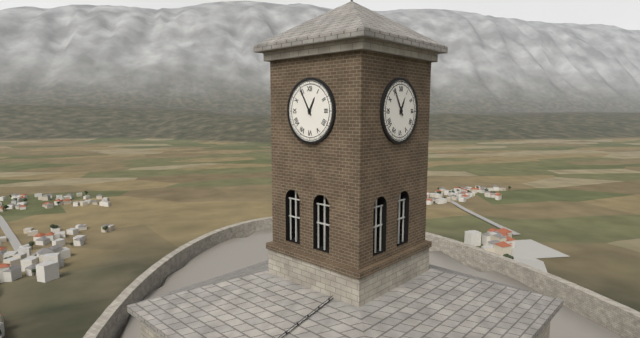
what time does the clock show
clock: 12:55
